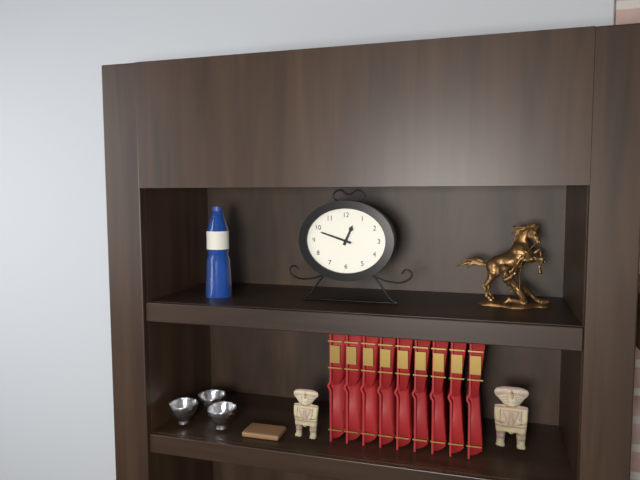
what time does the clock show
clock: 12:48
